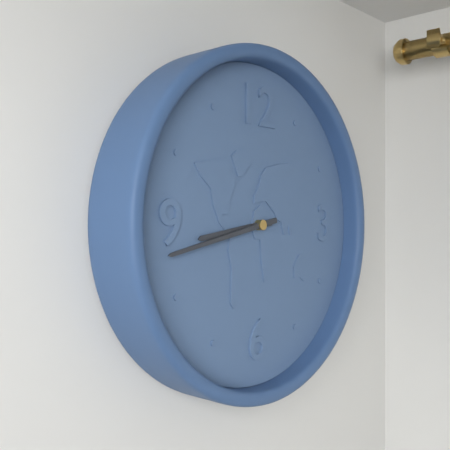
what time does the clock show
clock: 8:43
